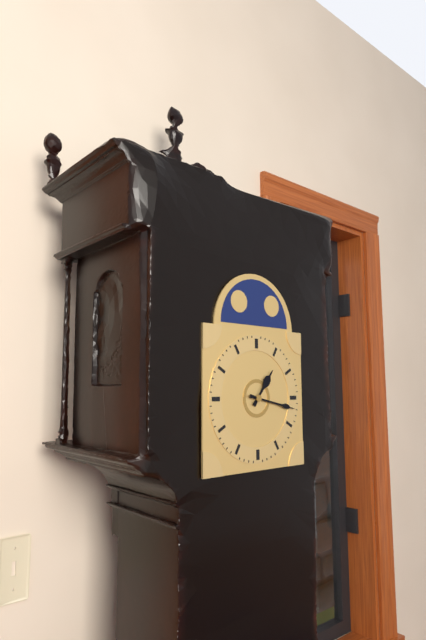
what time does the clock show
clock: 1:17
